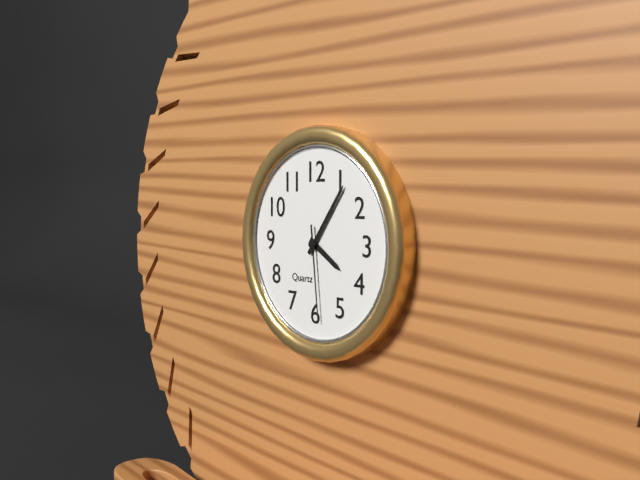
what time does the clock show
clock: 4:06:29
